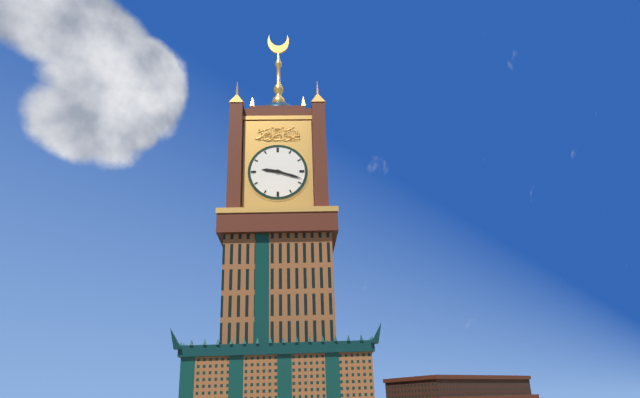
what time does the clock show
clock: 9:18
